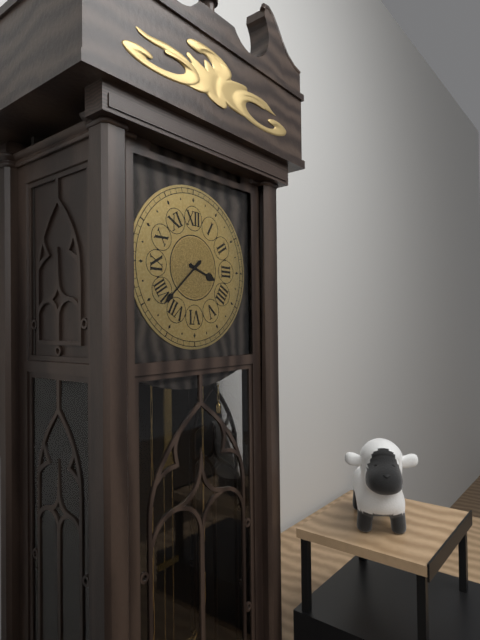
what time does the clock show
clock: 3:38
